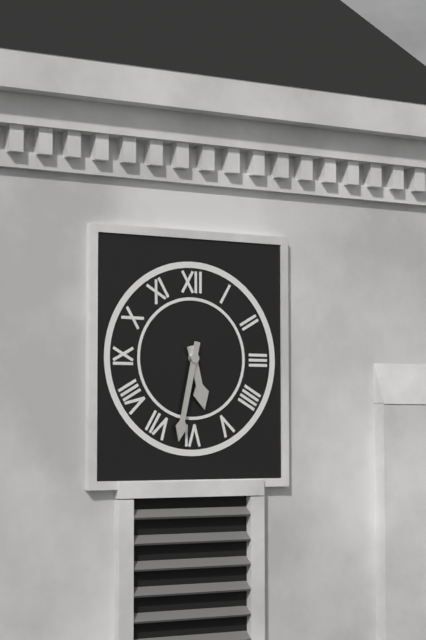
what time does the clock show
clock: 5:32
